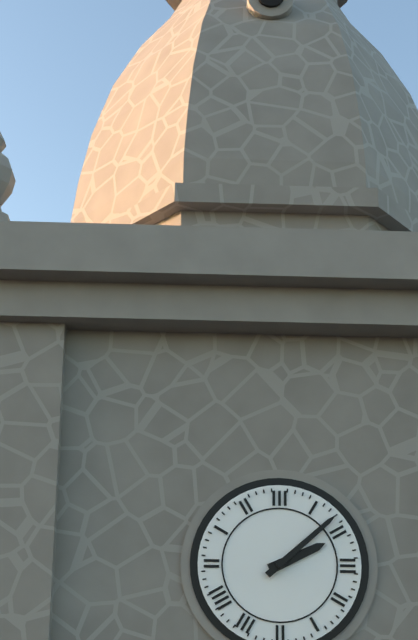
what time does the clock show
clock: 2:08
